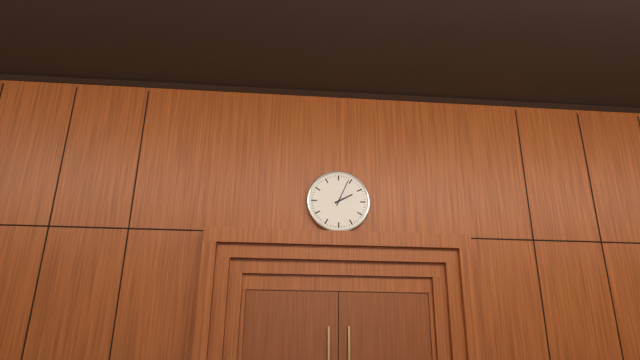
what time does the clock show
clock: 2:04
